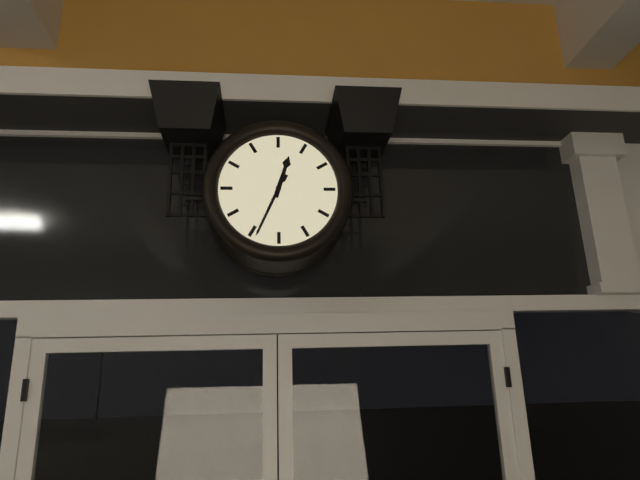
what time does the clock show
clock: 12:34
